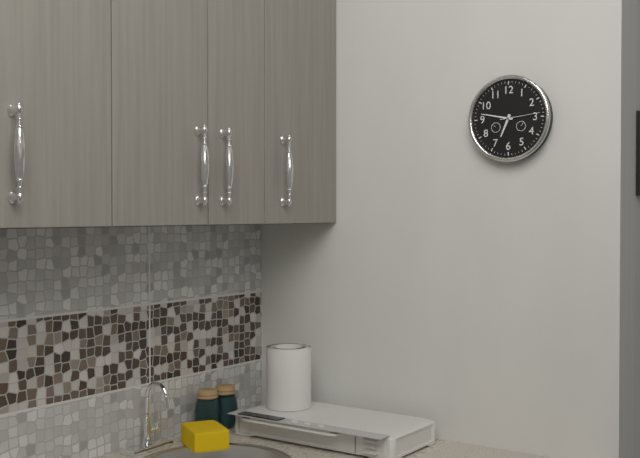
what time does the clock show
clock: 6:47
